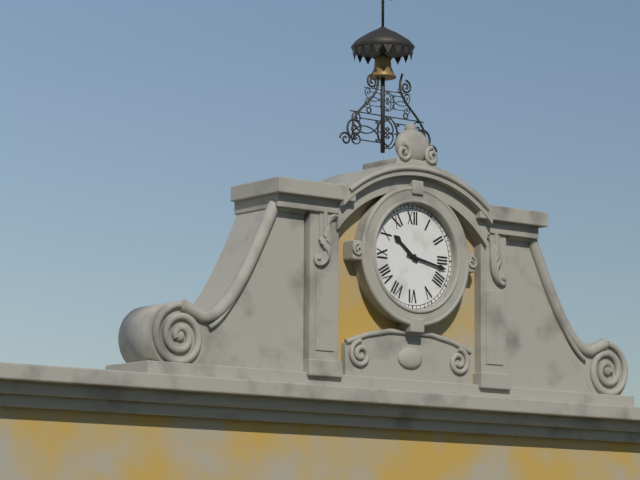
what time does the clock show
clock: 10:17
